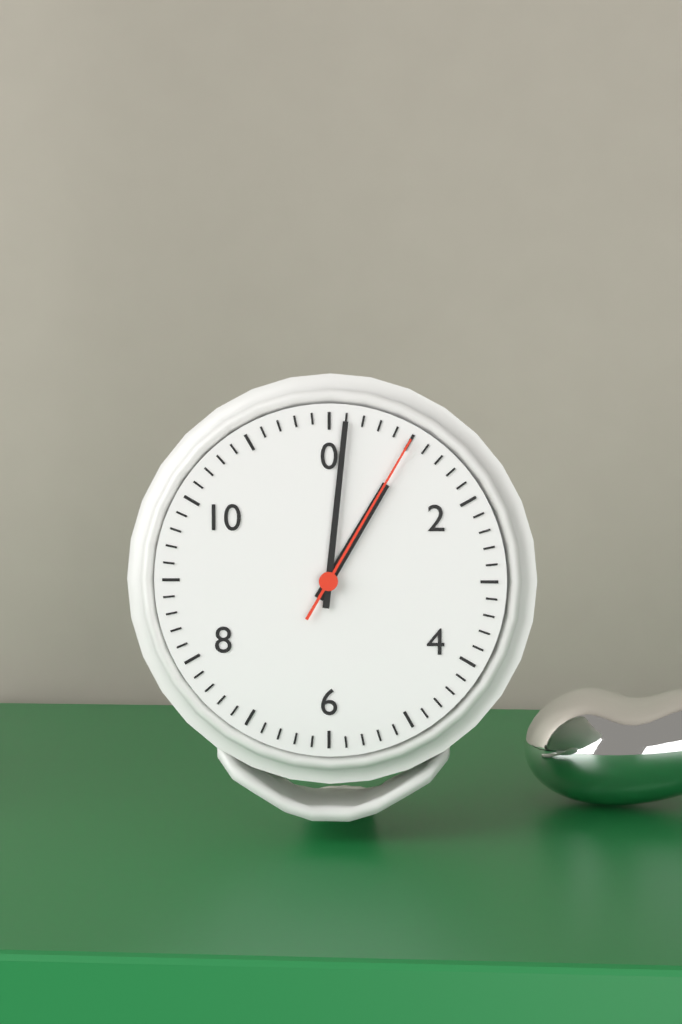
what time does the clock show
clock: 1:01:05
